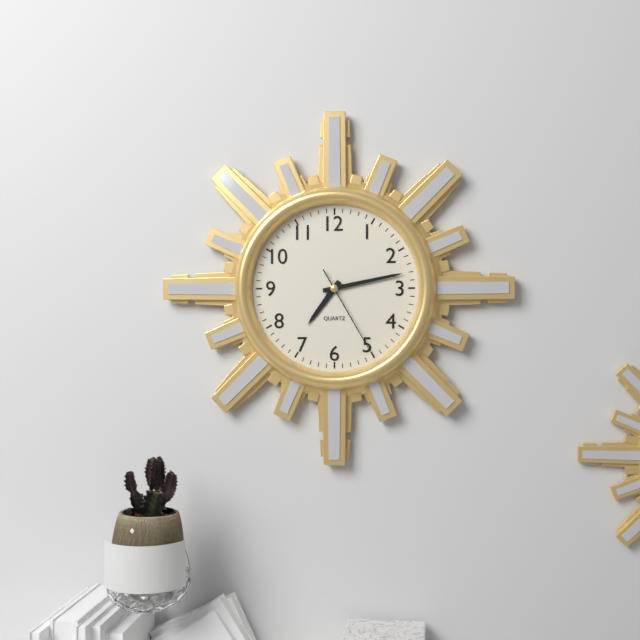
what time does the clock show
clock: 7:13:25
